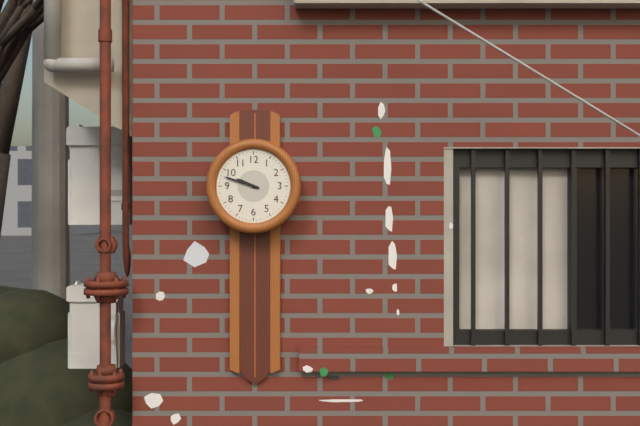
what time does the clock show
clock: 9:48
